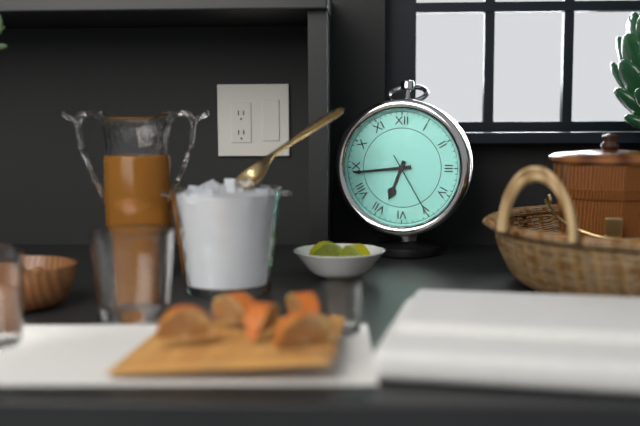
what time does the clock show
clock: 6:44:25
